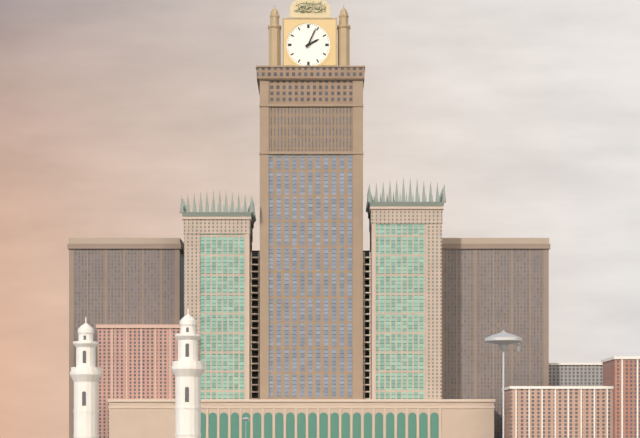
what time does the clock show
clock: 2:04
